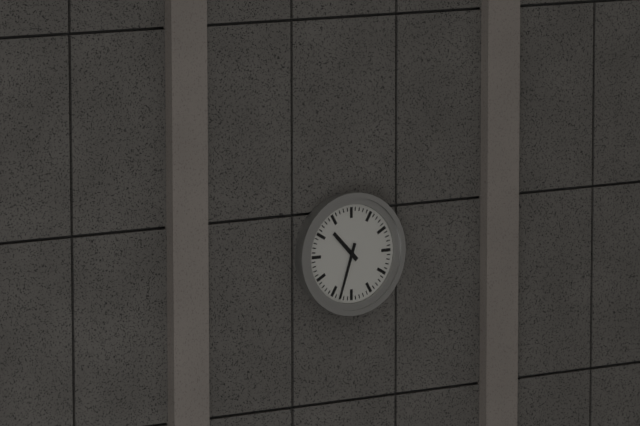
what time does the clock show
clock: 10:33
